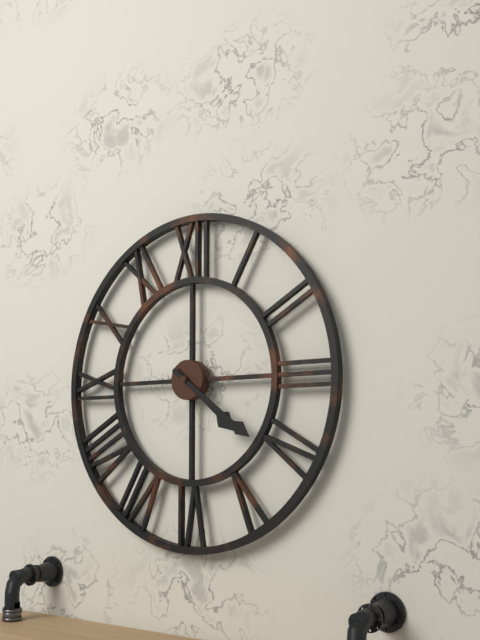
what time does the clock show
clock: 4:21
